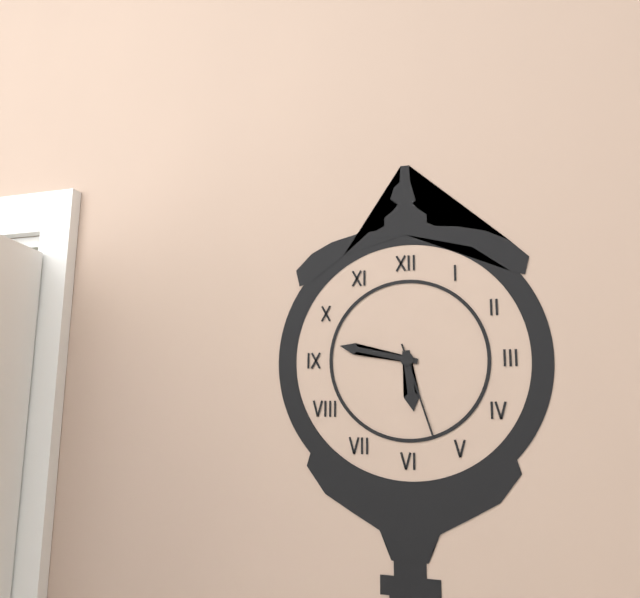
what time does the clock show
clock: 5:47:27
